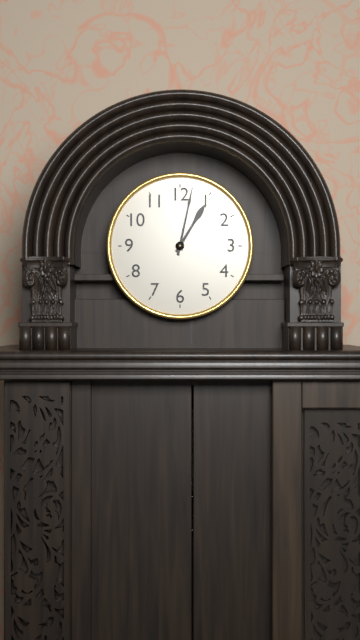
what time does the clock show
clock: 1:02
